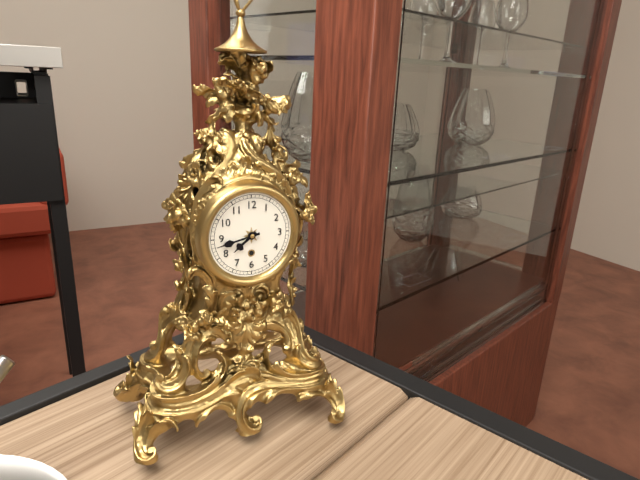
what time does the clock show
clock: 7:43
